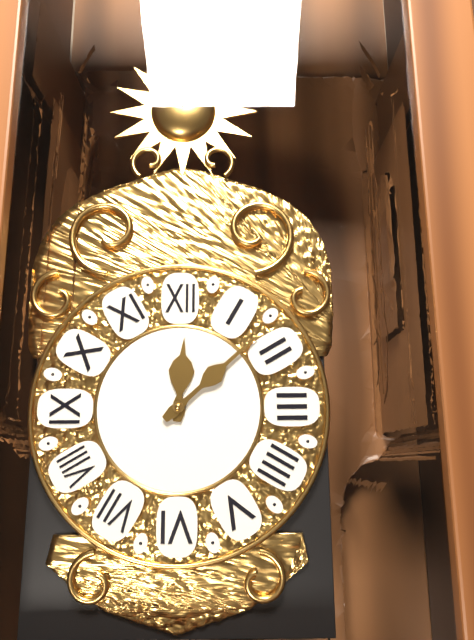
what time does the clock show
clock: 12:08
